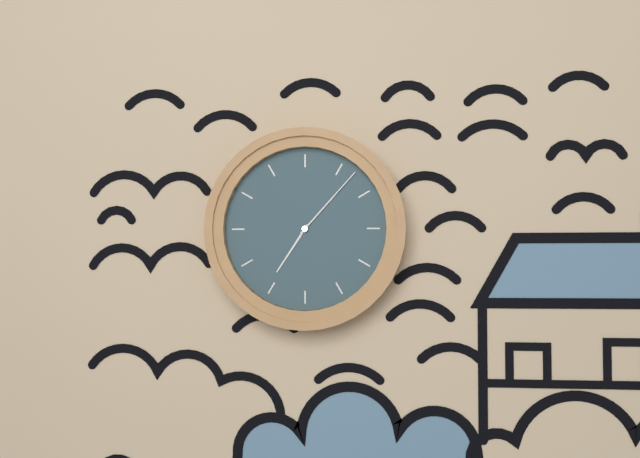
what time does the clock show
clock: 7:07
